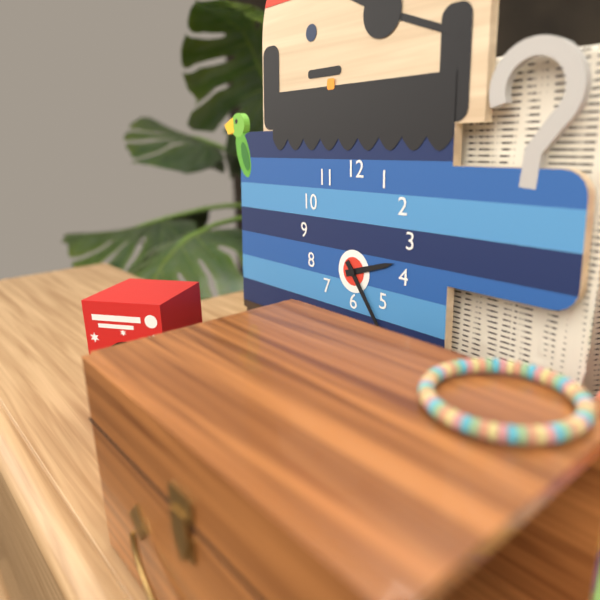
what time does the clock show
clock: 2:24
